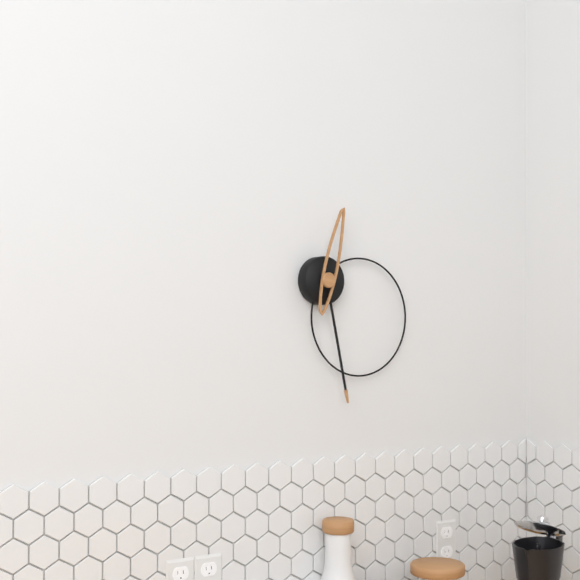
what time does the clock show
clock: 12:28
